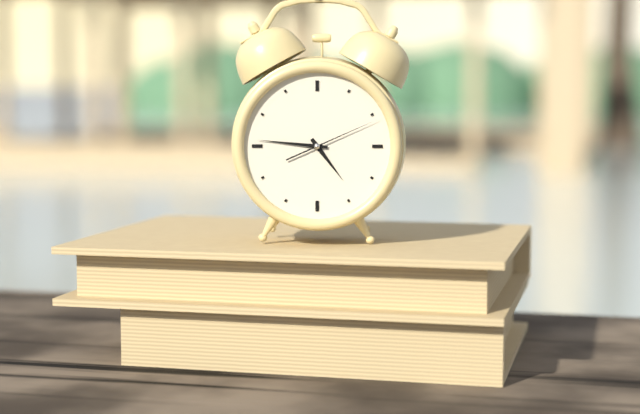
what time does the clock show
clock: 4:46:11
